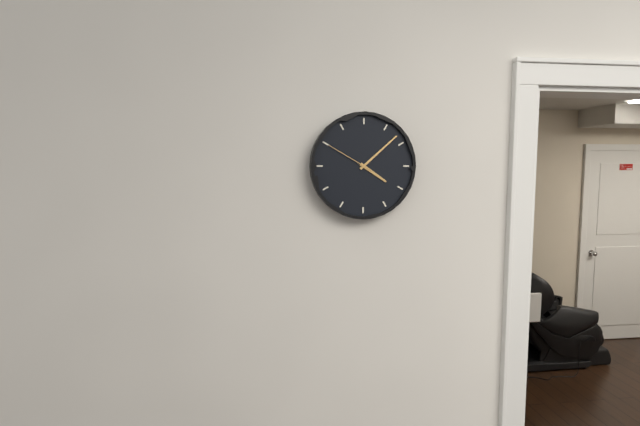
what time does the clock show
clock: 4:08
